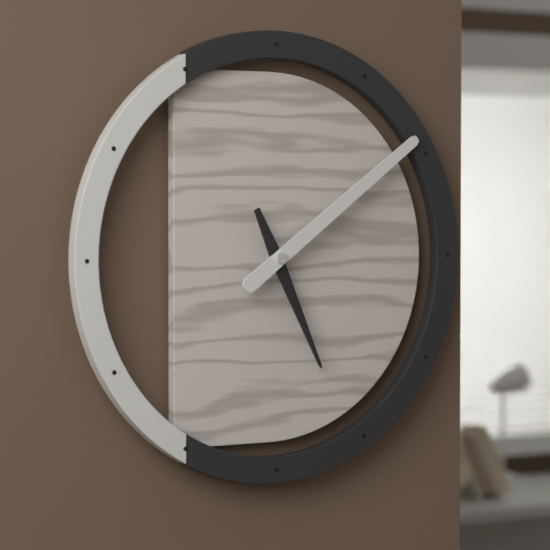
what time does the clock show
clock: 5:09
